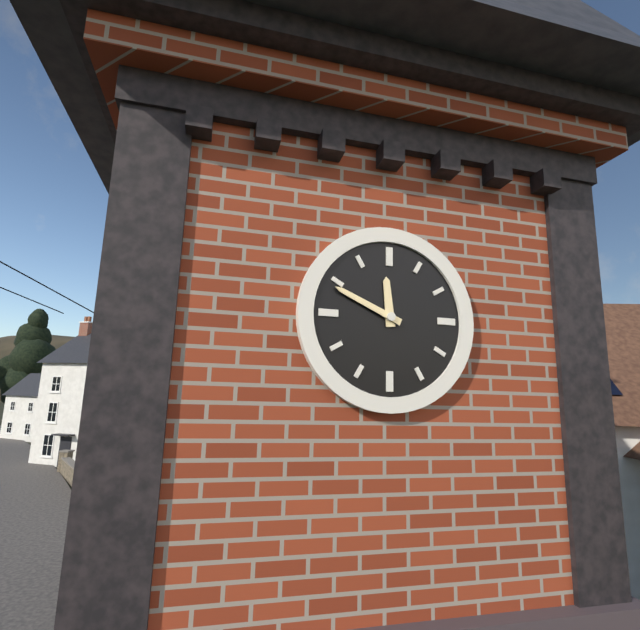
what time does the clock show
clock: 11:49
